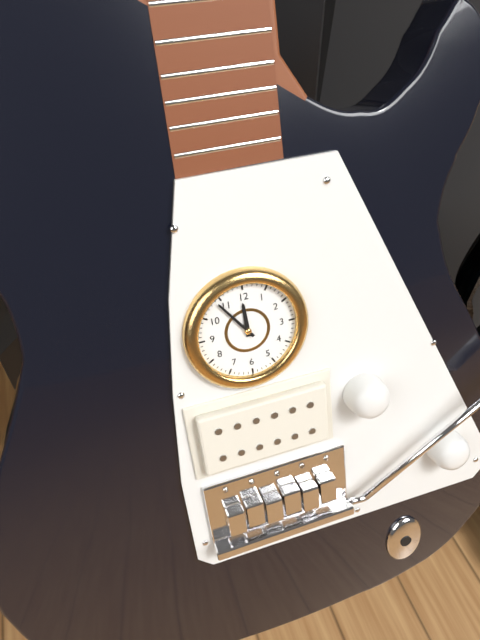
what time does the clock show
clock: 11:54
